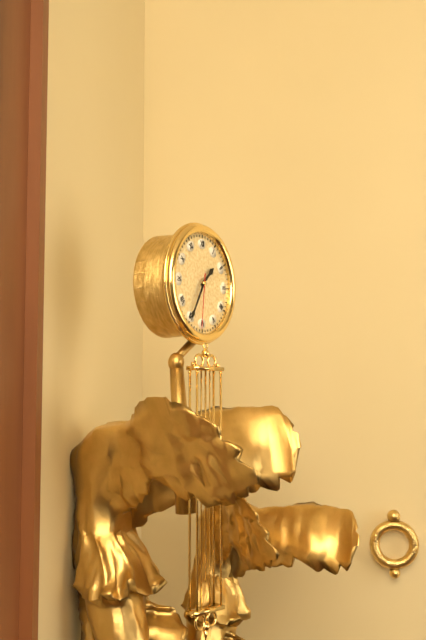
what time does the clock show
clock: 1:35:31
